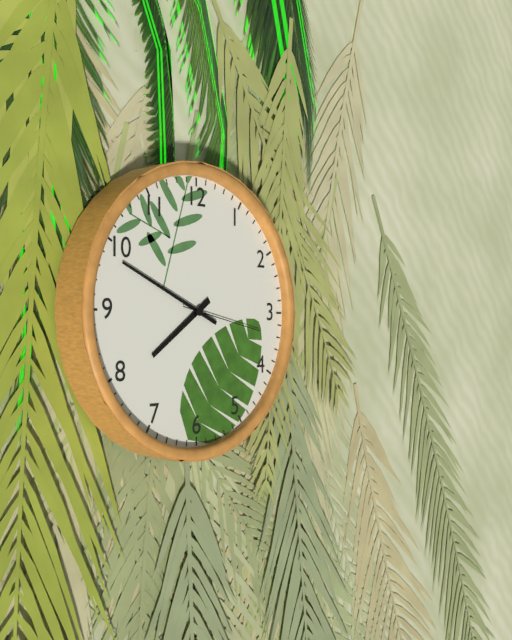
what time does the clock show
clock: 7:49:17
